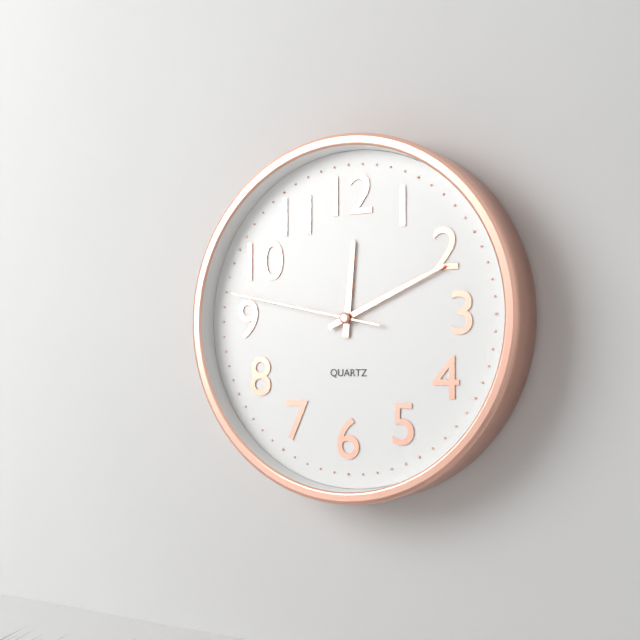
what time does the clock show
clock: 12:11:47
